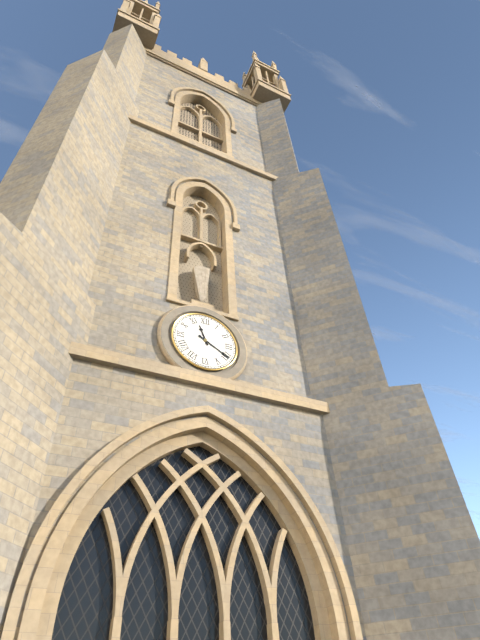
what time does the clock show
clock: 11:20
